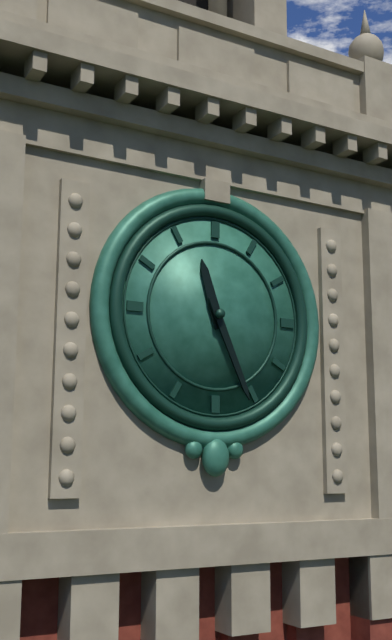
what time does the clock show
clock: 11:26
